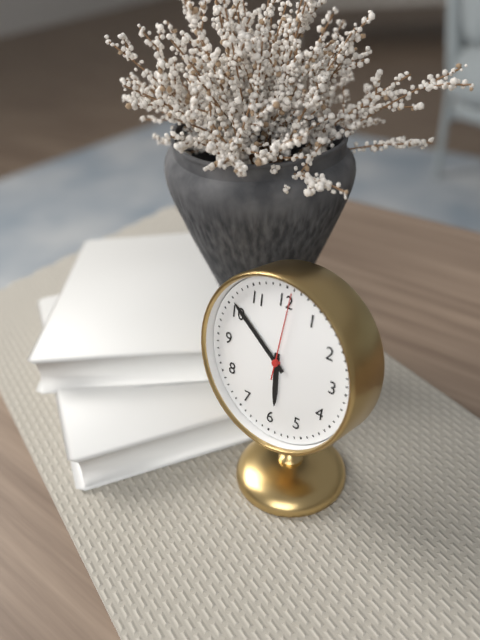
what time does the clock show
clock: 5:51:01
